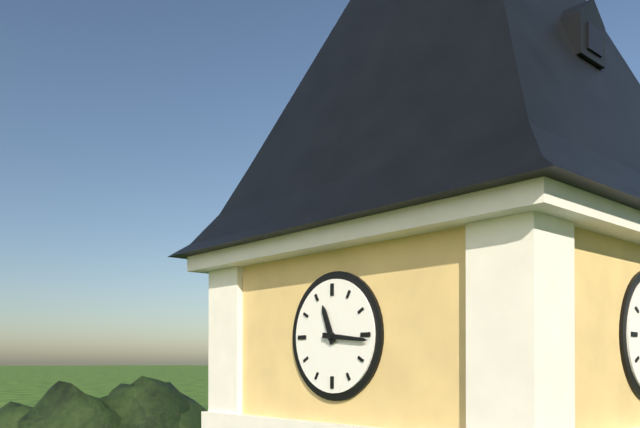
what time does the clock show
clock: 11:16
